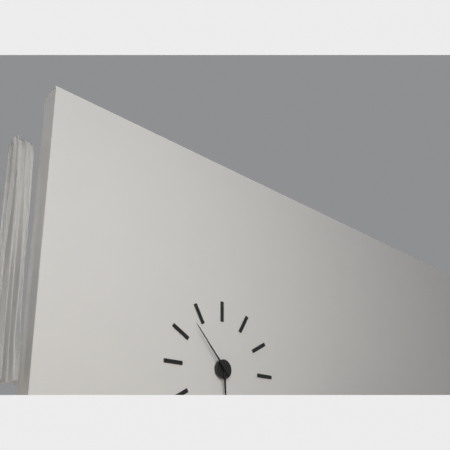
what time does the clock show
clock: 5:53
